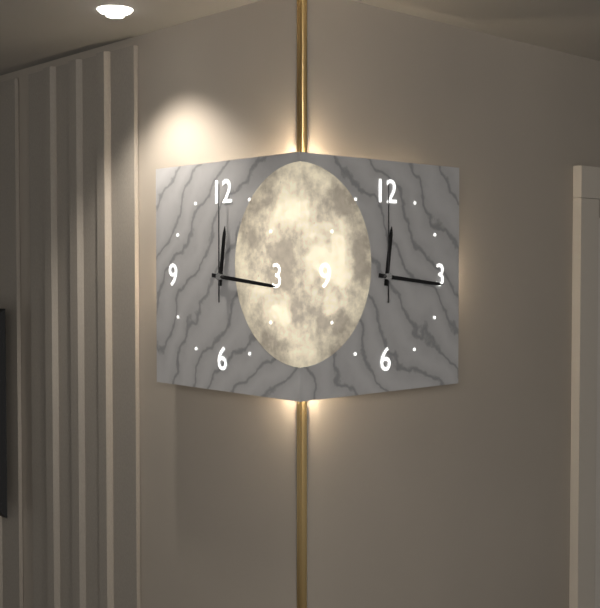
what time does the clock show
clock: 12:16:00
